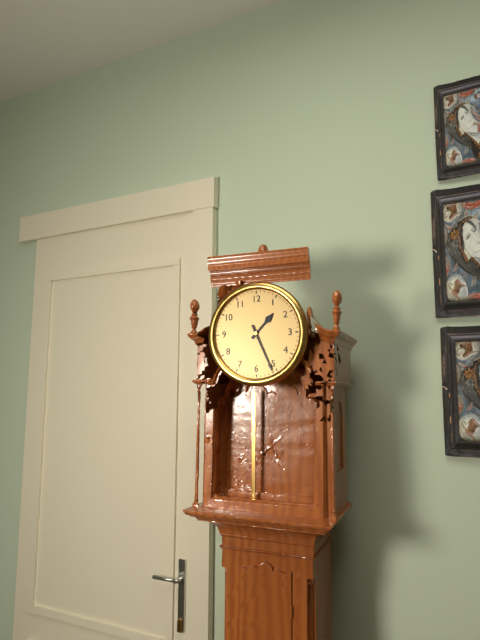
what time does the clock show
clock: 1:26
